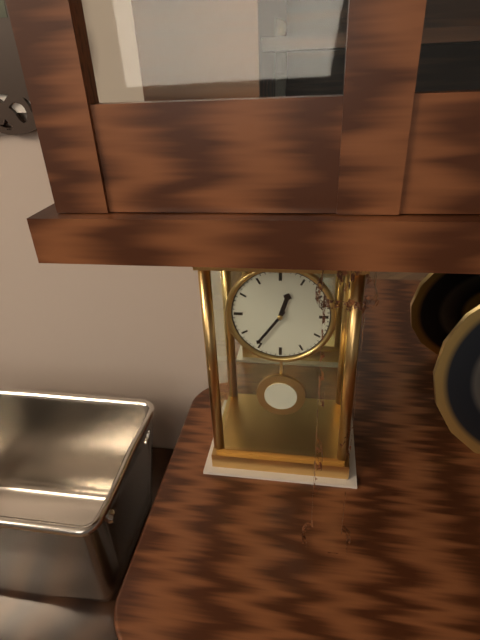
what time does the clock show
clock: 12:36
